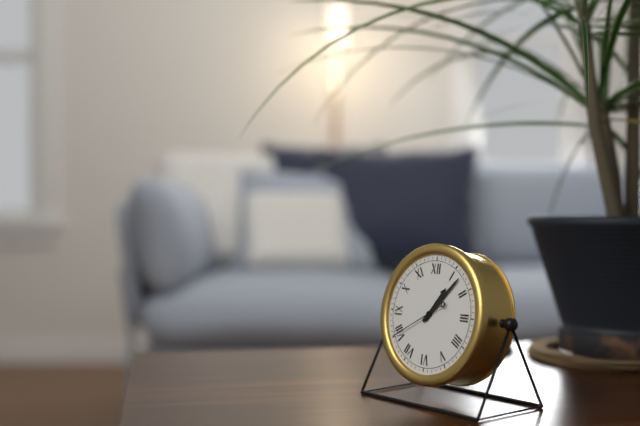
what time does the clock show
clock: 1:07:40
